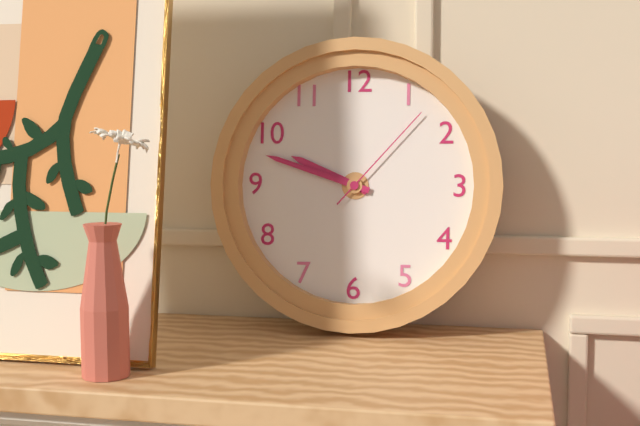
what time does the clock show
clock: 9:48:07
